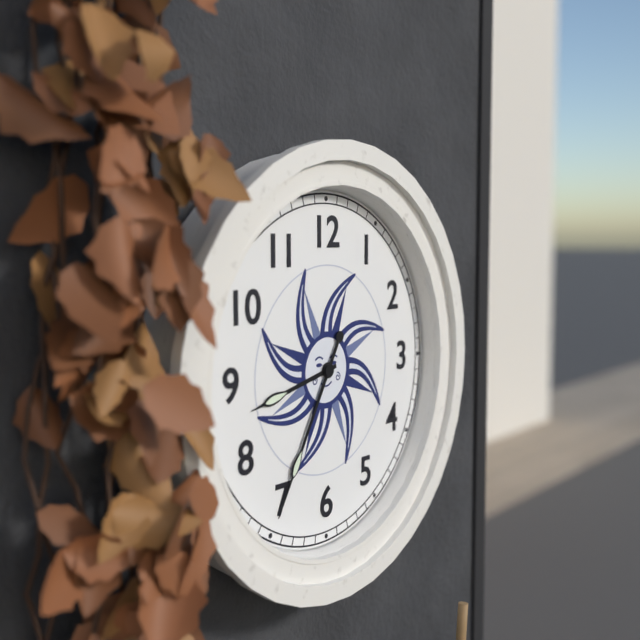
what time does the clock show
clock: 8:35
